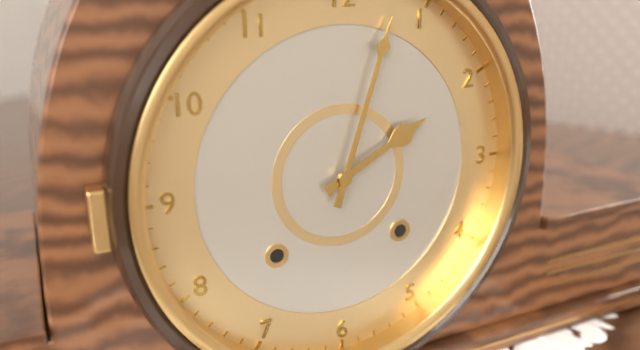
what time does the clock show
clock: 2:03
